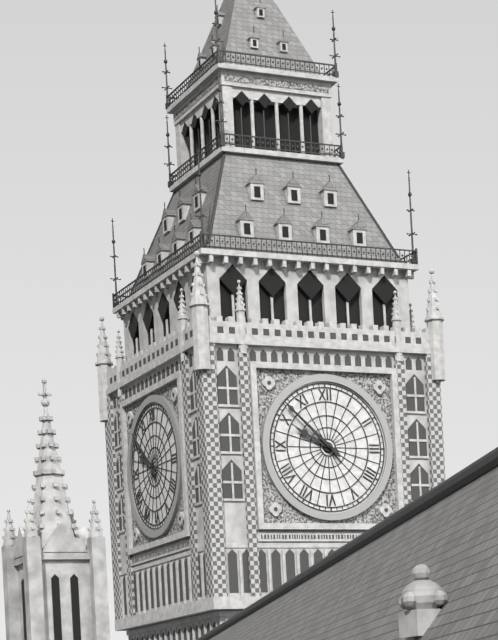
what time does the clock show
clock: 9:52
